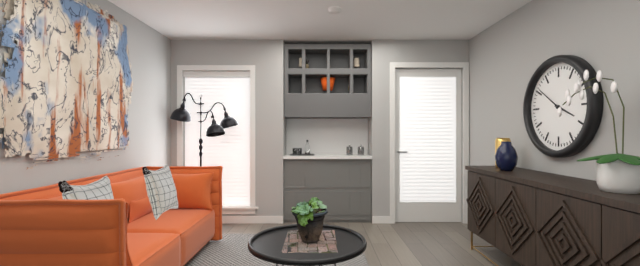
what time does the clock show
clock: 3:51
